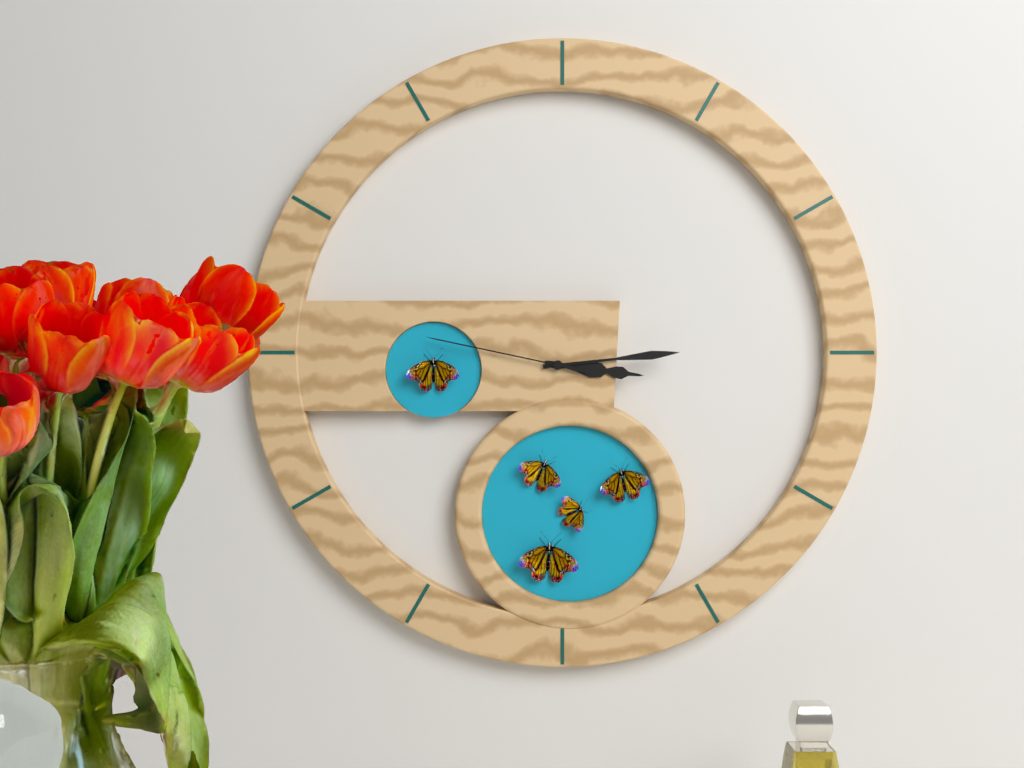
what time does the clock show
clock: 3:14:47
